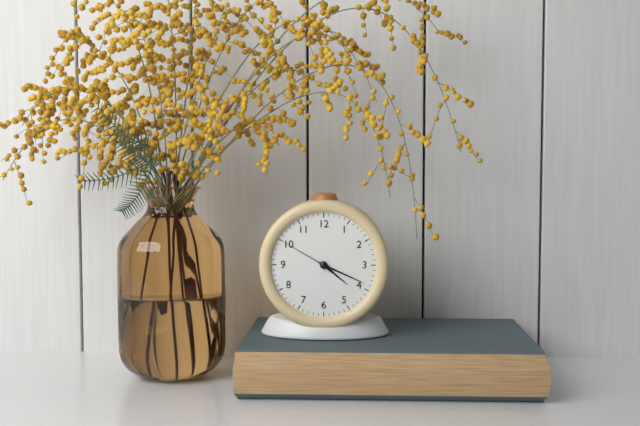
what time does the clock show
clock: 4:19:50
